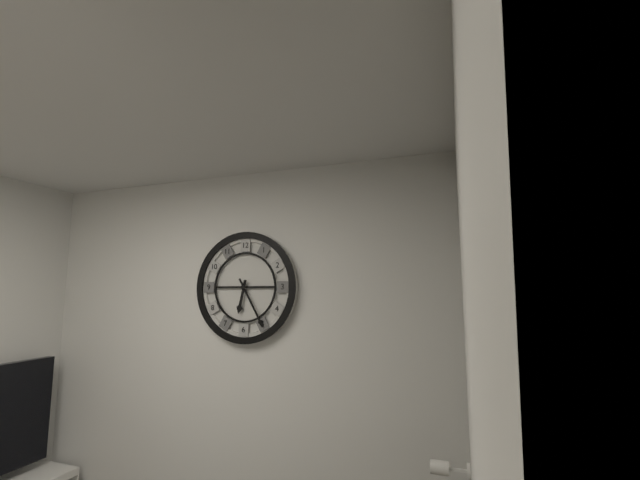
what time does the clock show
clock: 6:25
